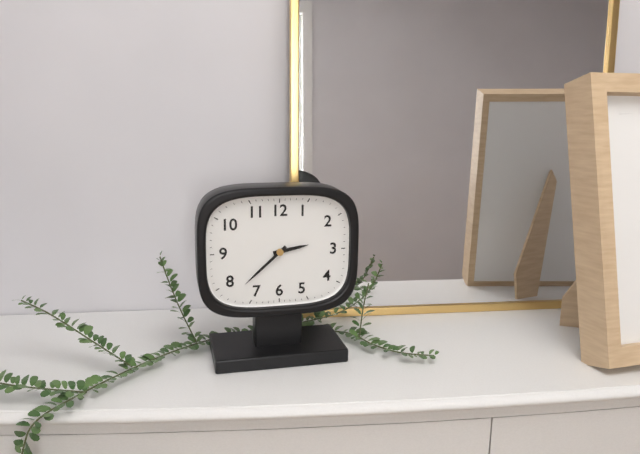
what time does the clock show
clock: 2:38
